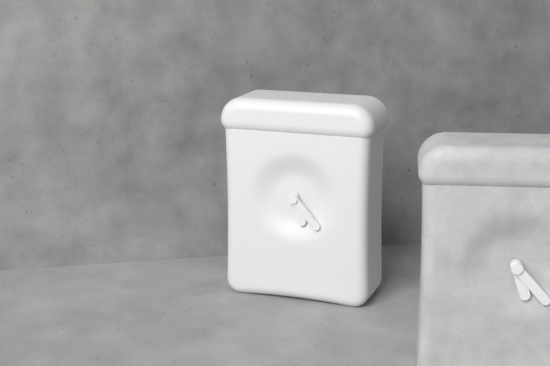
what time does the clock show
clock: 5:23
